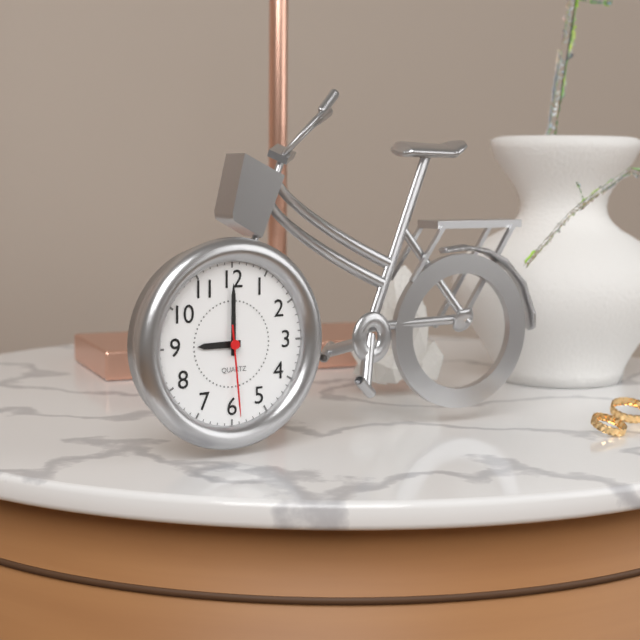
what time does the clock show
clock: 9:00:29
